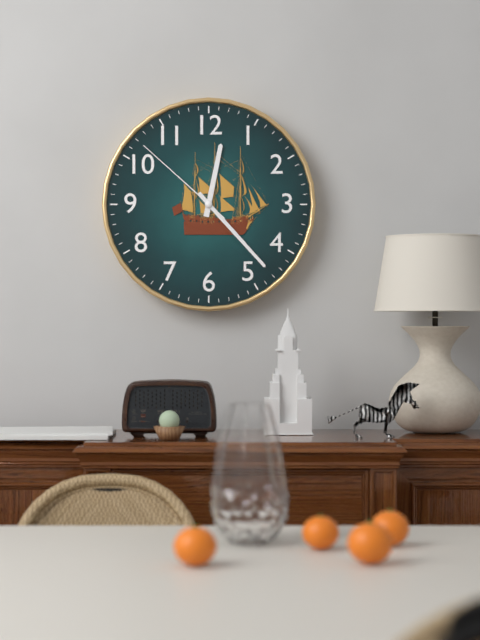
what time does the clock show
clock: 12:23:52
